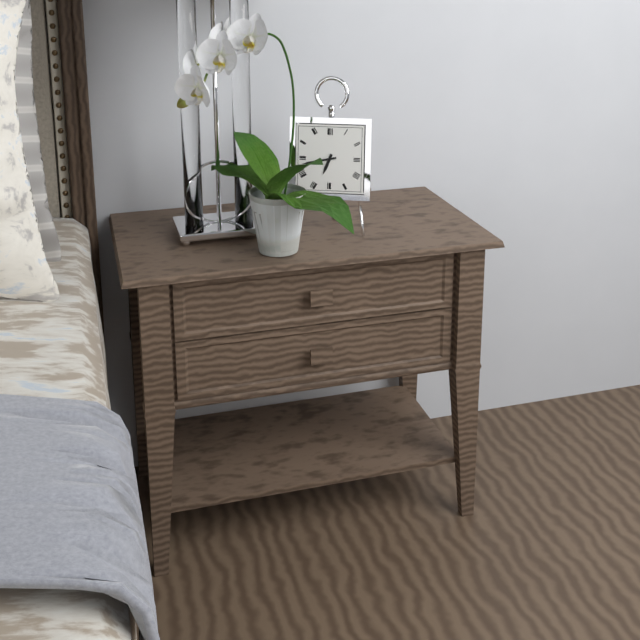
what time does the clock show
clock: 6:43
